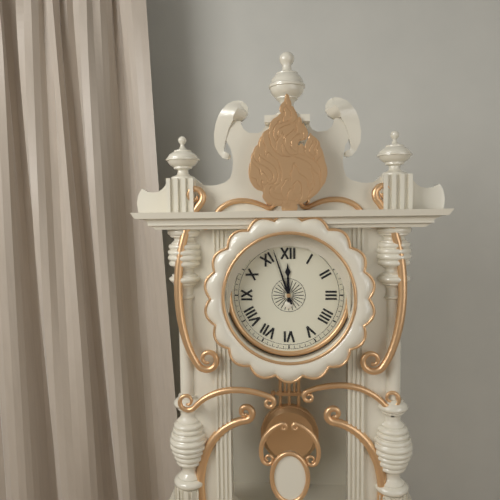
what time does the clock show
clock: 11:57
